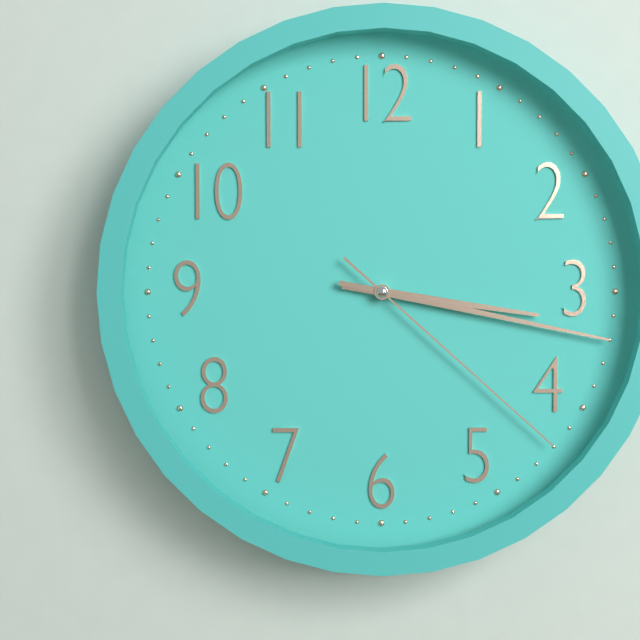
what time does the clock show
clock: 3:17:22
